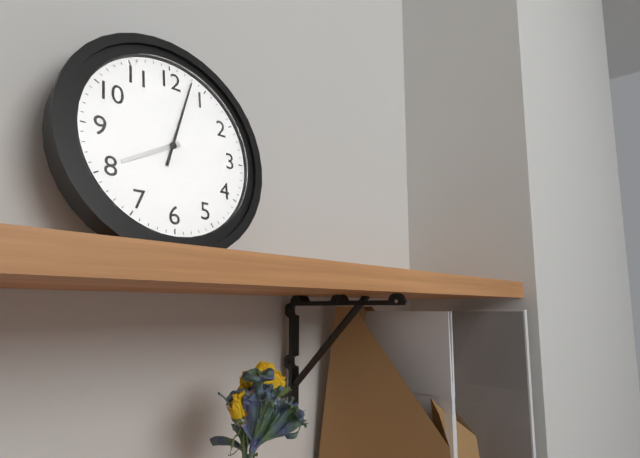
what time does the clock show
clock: 8:03
